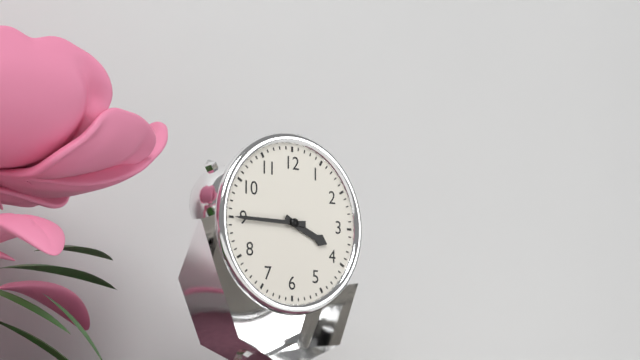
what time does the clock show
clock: 3:45
